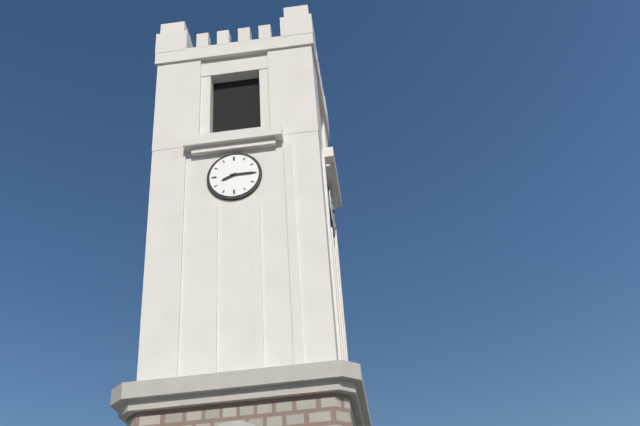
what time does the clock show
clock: 8:15
